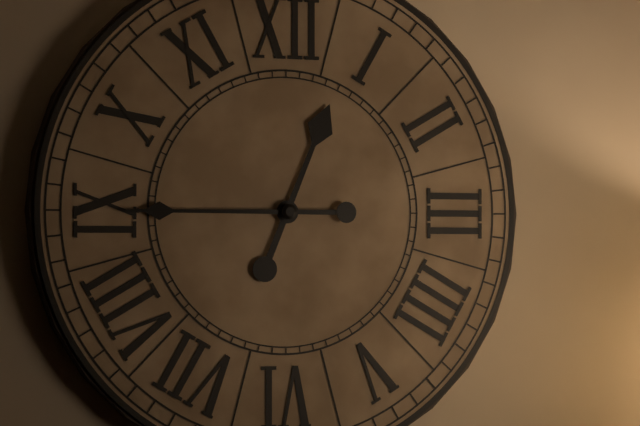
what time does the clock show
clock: 12:45
